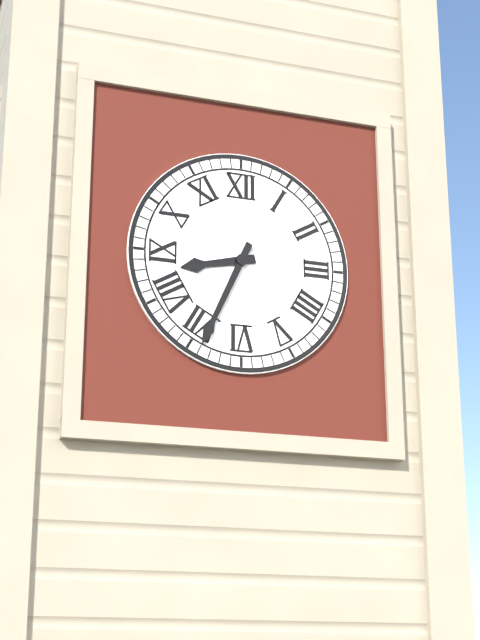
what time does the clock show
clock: 8:34
